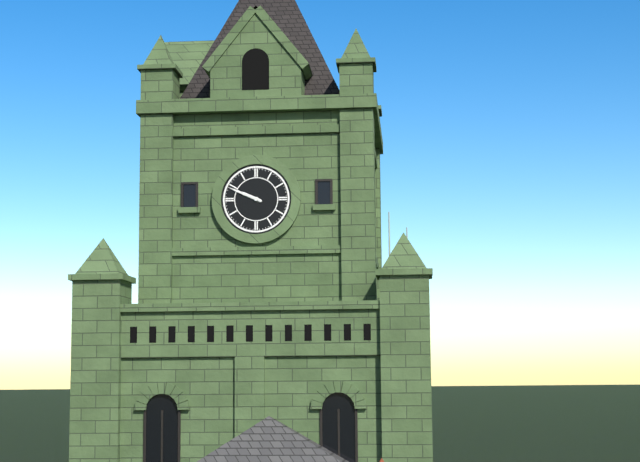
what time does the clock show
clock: 9:49
